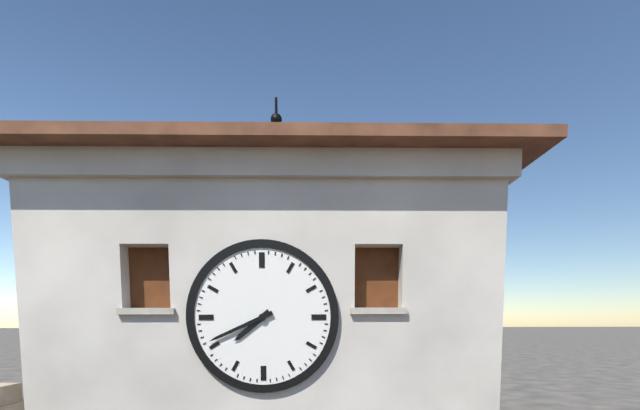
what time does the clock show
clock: 7:41
